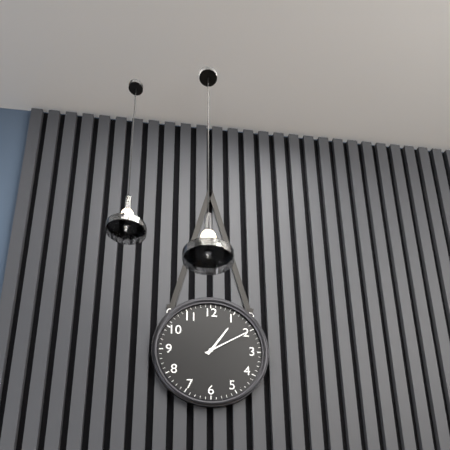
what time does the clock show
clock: 1:10
